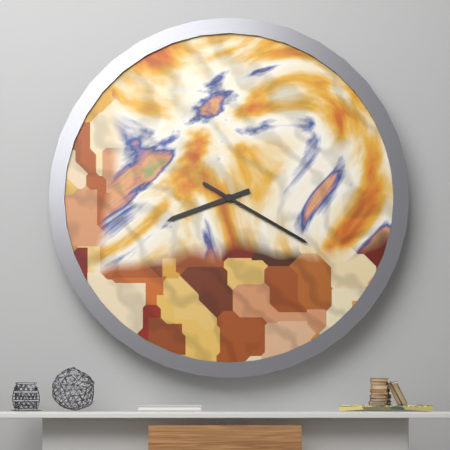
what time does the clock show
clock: 8:20
